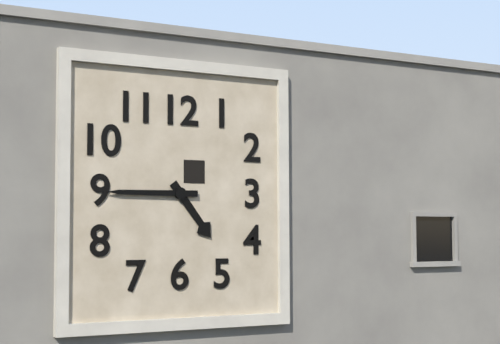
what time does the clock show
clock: 4:45
